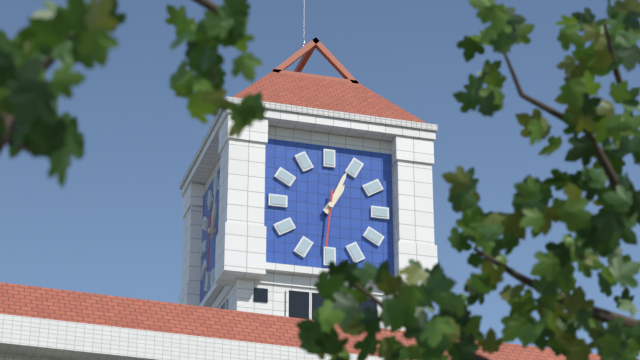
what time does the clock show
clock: 1:04:31
